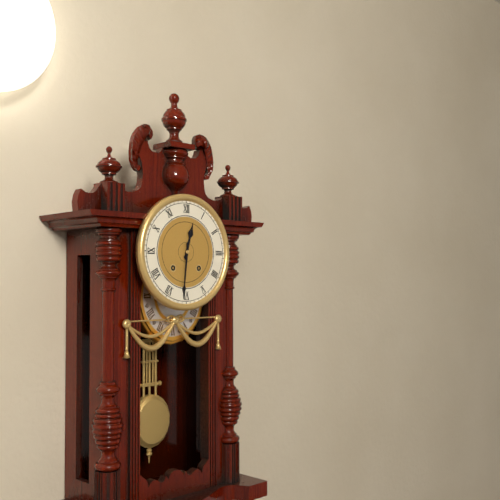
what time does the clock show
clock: 12:31
